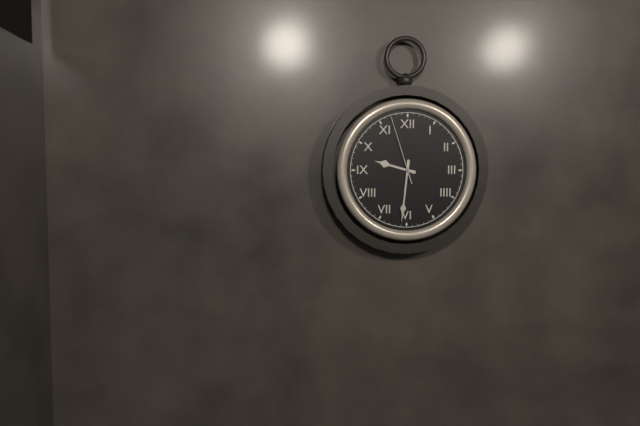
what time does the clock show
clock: 9:31:57
